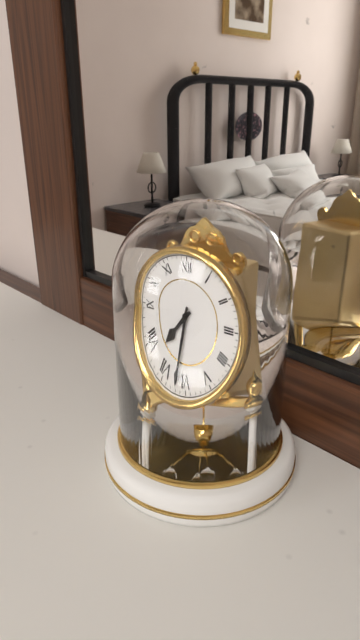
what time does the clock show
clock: 7:32
